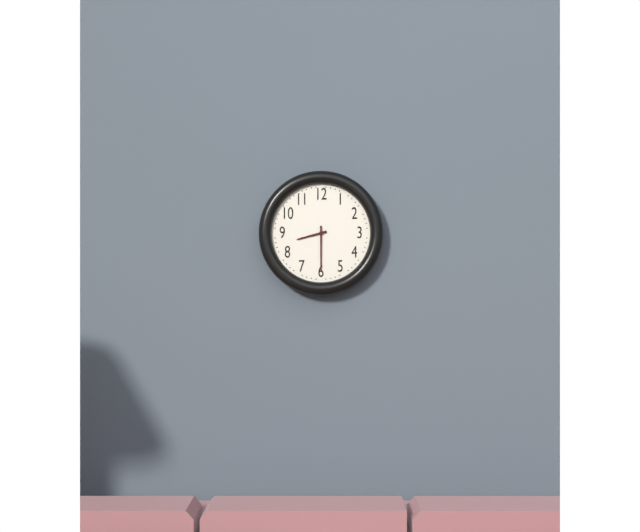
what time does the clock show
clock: 8:30
